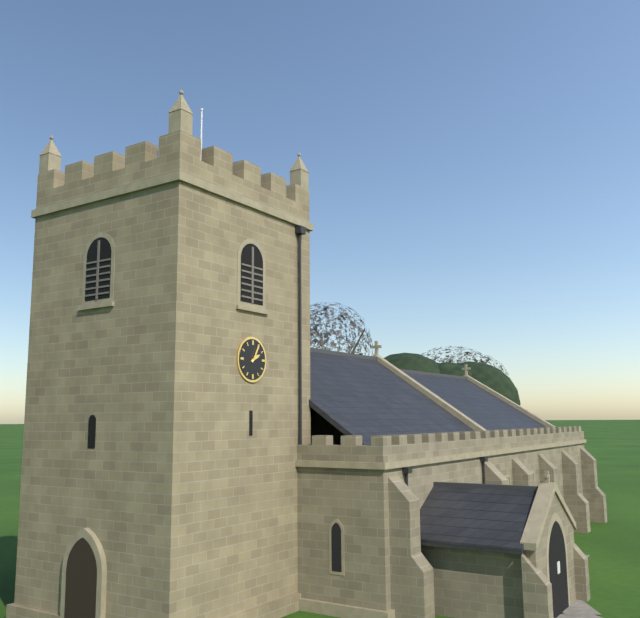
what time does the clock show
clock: 2:05
